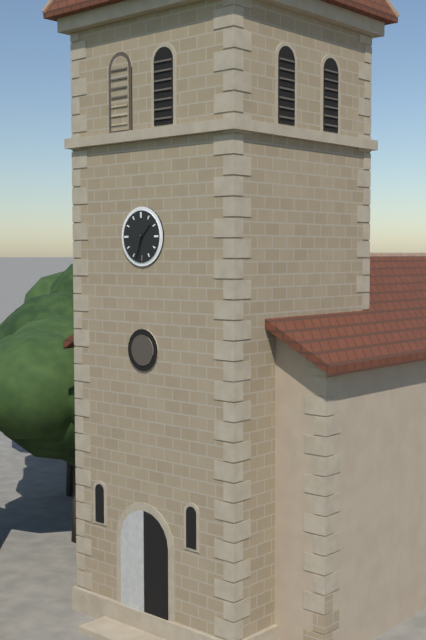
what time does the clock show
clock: 1:33
